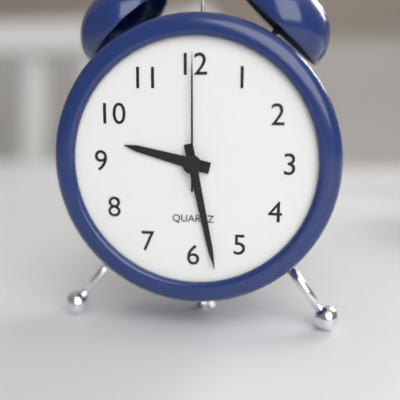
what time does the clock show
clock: 9:28:00
